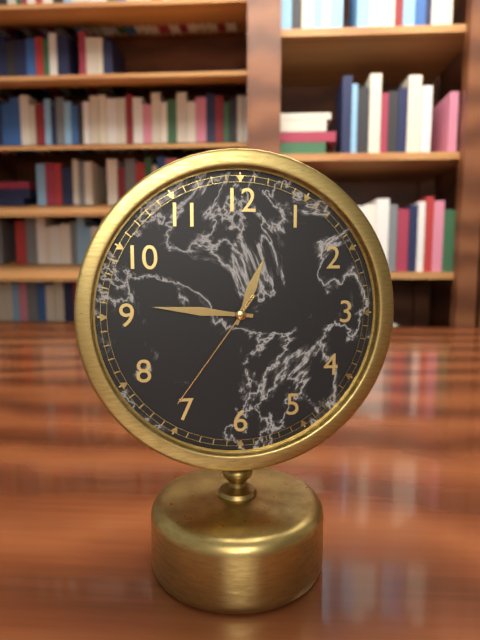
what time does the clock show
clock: 12:46:36
